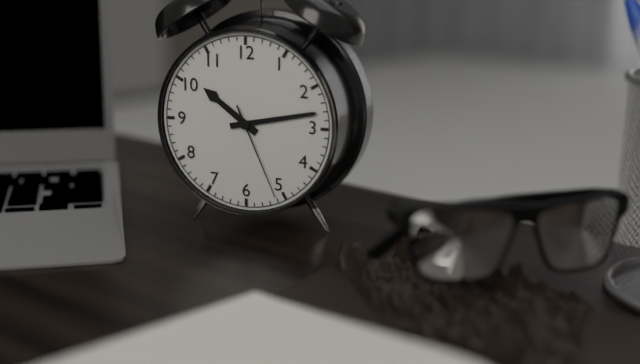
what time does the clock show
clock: 10:13:26
